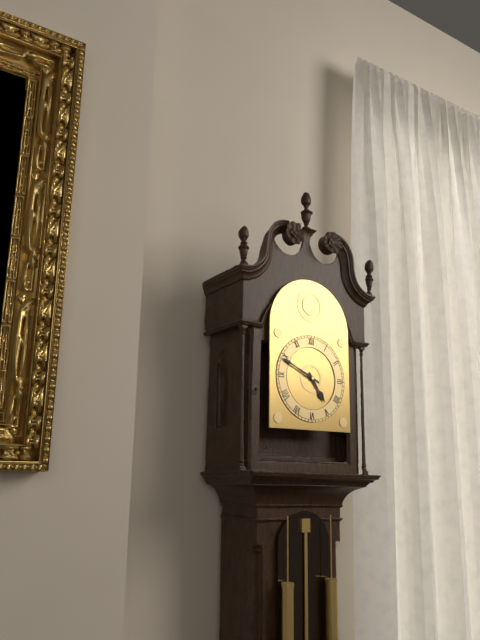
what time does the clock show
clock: 4:49
